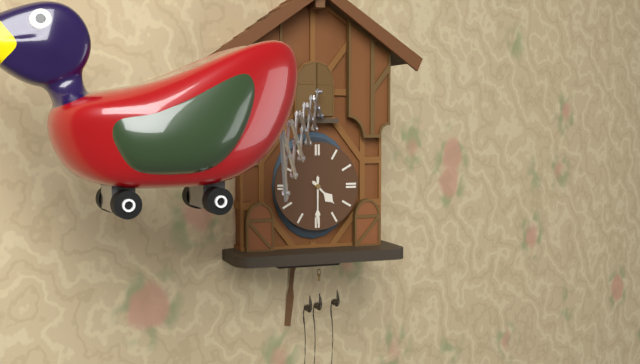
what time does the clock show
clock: 4:30
